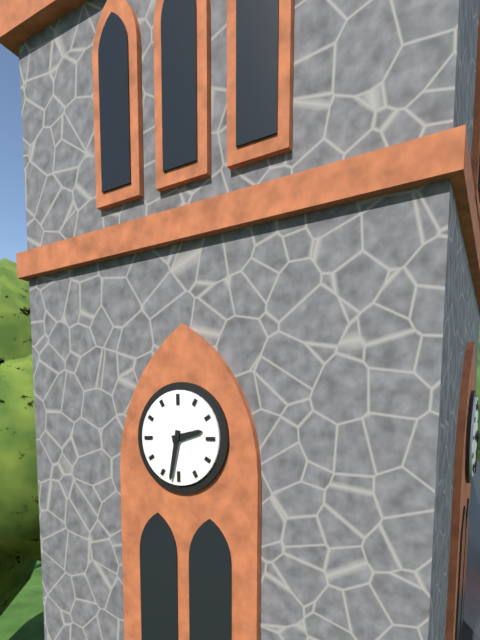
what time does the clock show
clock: 2:32
